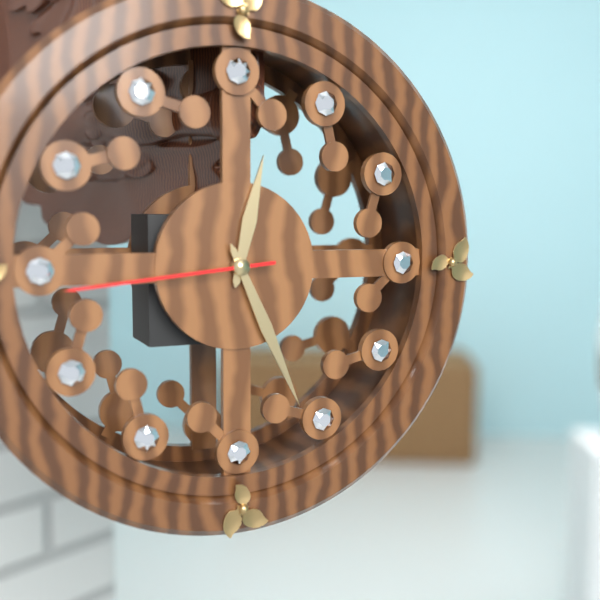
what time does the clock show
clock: 12:26:44
